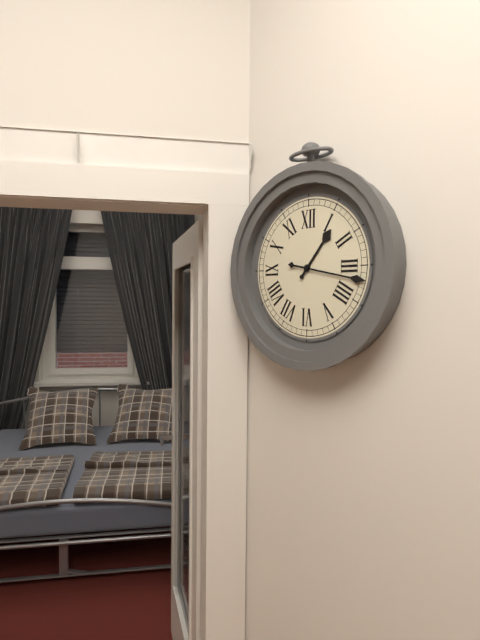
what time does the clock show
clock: 1:17
